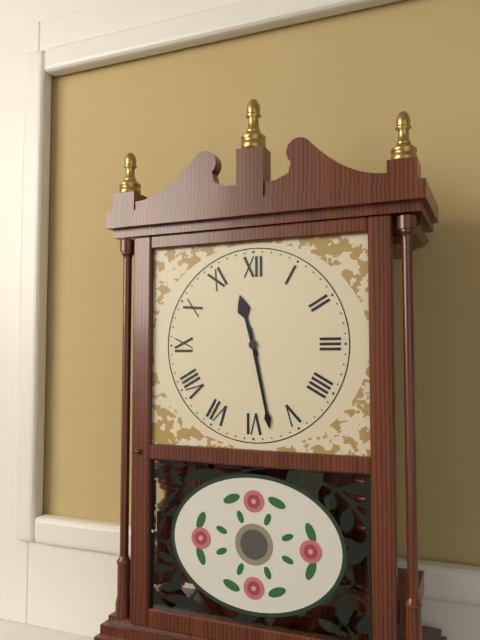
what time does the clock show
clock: 11:28
